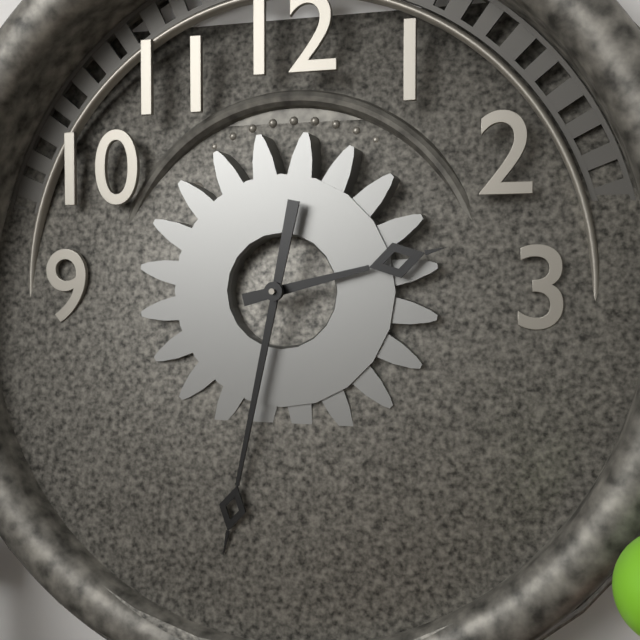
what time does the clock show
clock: 2:32
